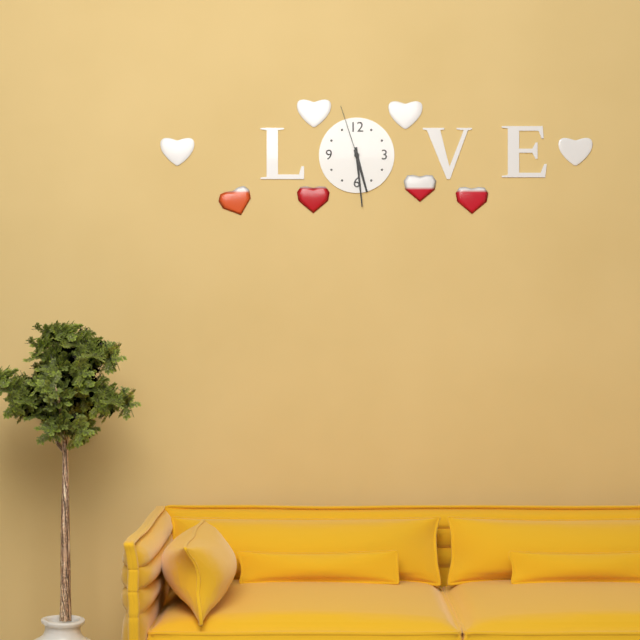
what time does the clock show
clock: 5:29:57
